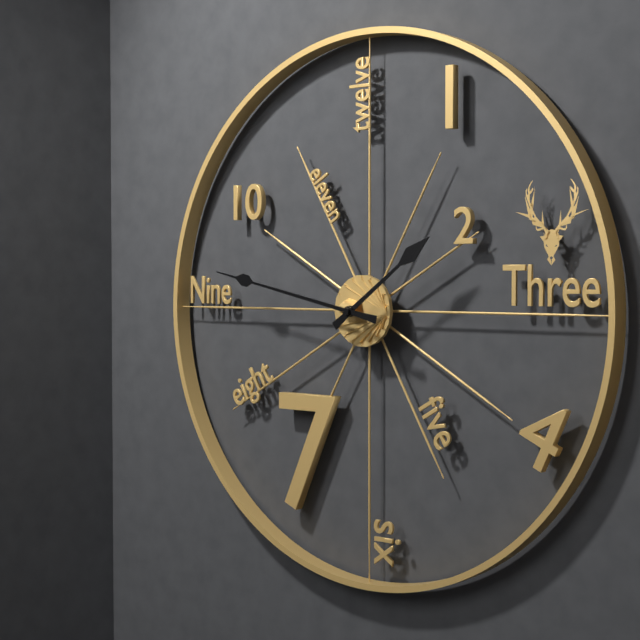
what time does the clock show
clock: 1:47
